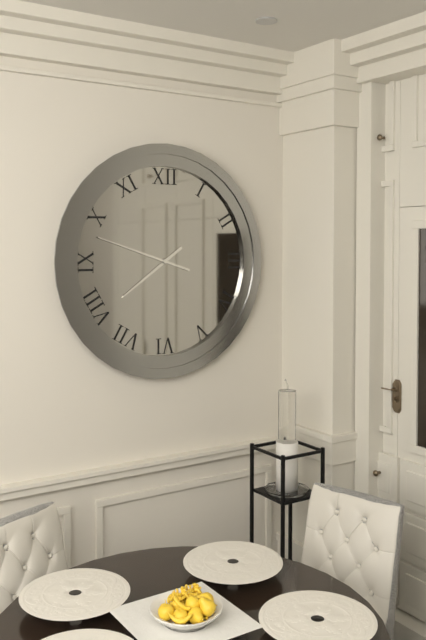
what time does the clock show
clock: 7:48
